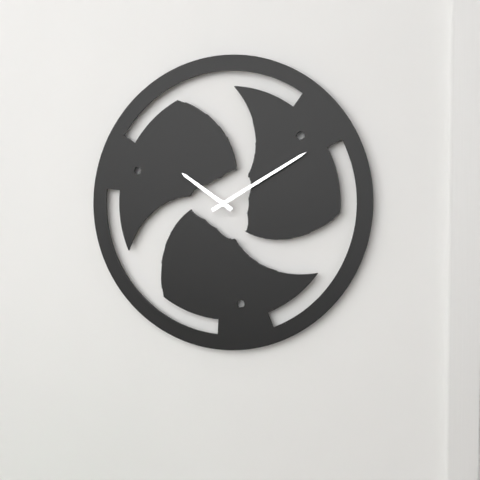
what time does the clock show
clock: 10:10
